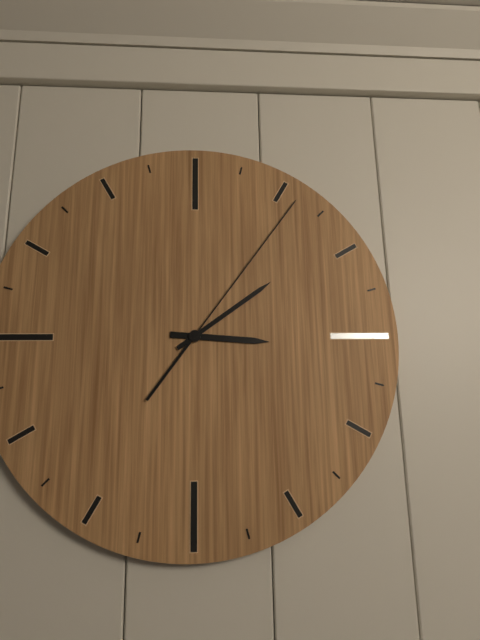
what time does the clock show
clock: 3:09:06
